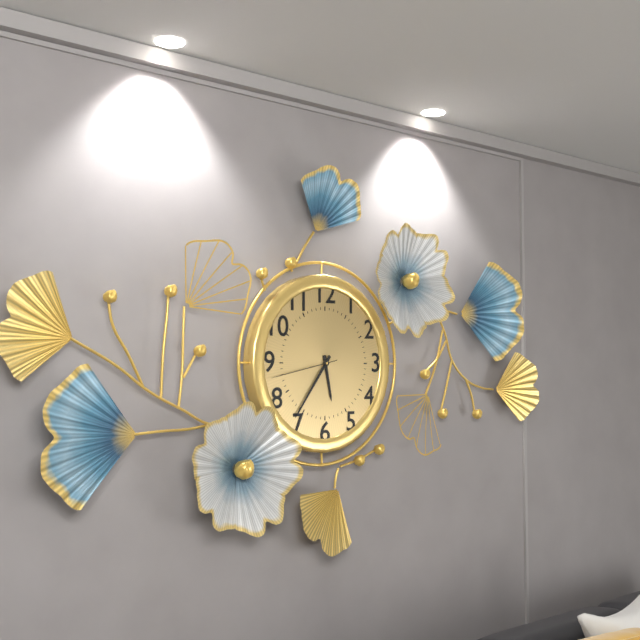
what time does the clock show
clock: 5:36:43
